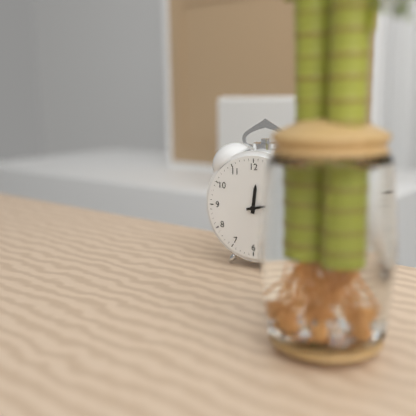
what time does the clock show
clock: 12:13
